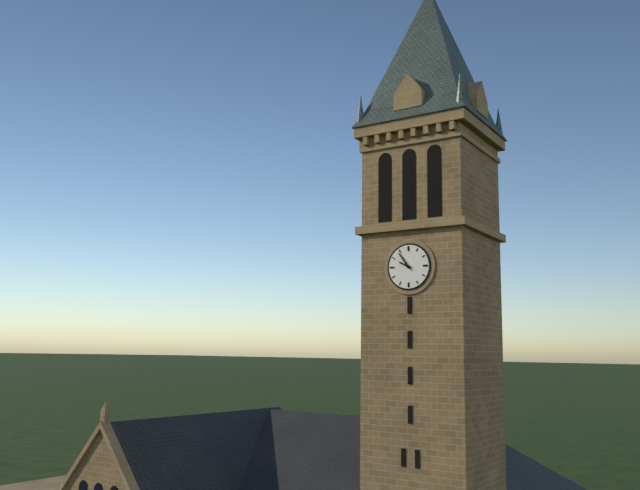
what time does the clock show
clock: 9:54
